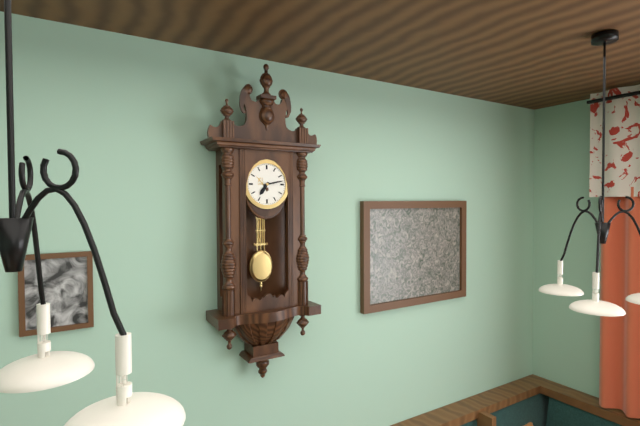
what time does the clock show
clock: 7:13
